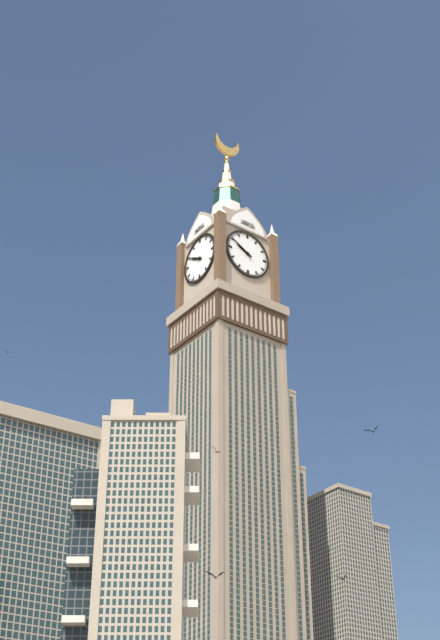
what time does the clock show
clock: 9:50
